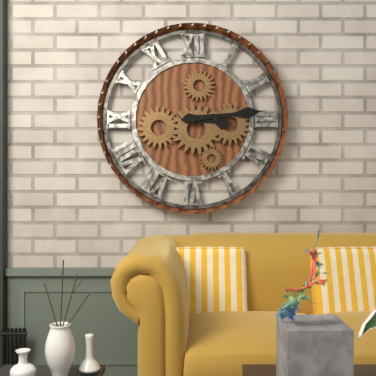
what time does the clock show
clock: 3:14
